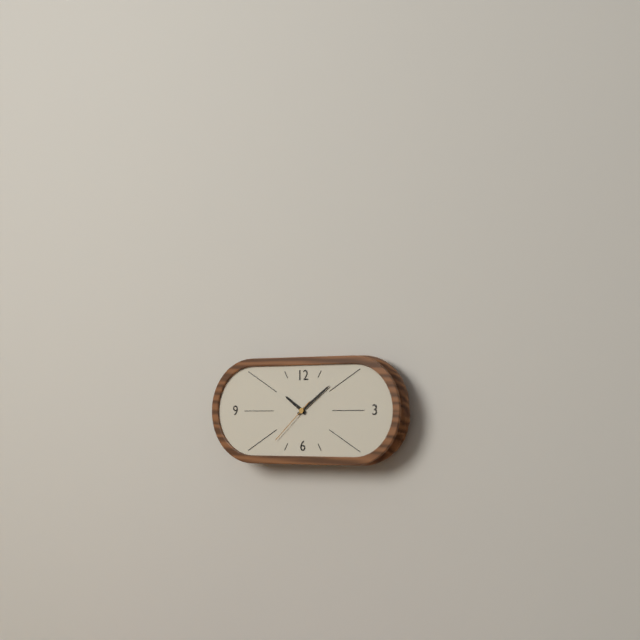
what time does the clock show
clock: 10:09:38
